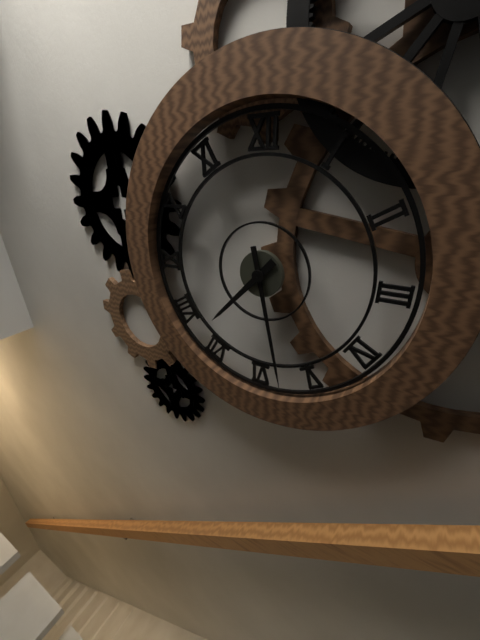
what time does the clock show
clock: 7:28
